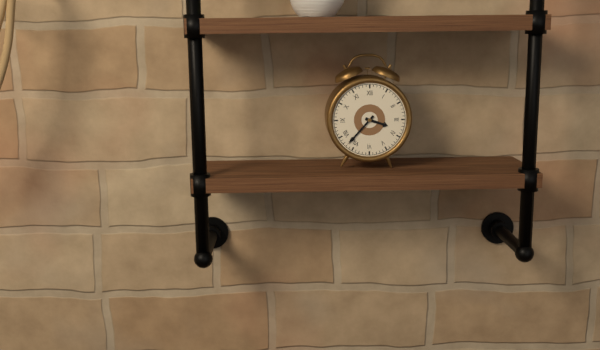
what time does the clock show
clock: 3:37
